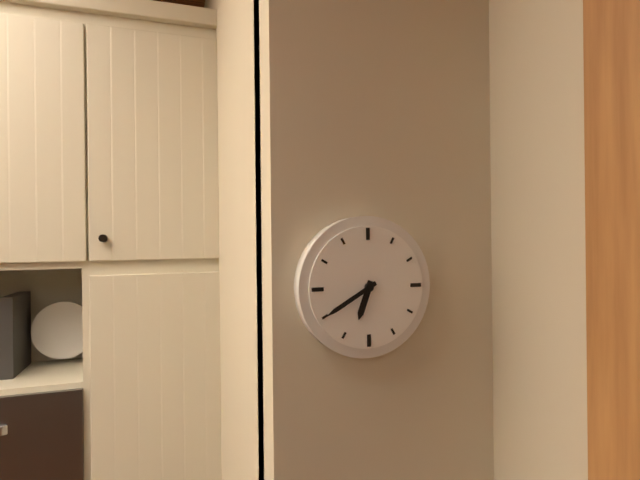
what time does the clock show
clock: 6:40
